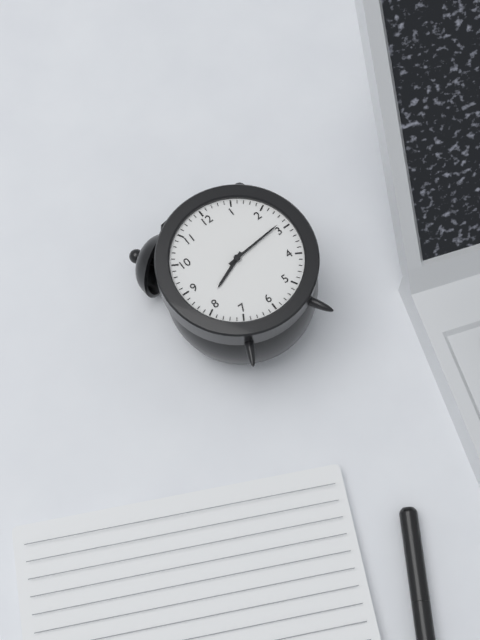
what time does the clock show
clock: 8:14
